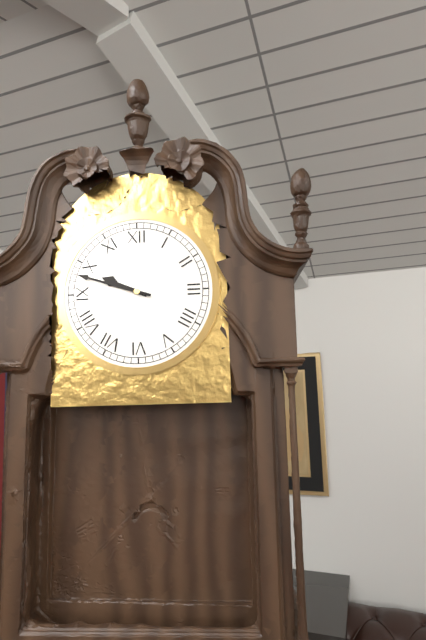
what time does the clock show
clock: 9:48
